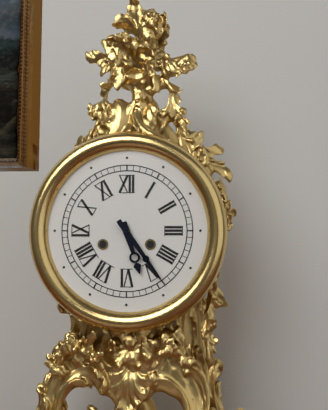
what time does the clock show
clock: 5:24
